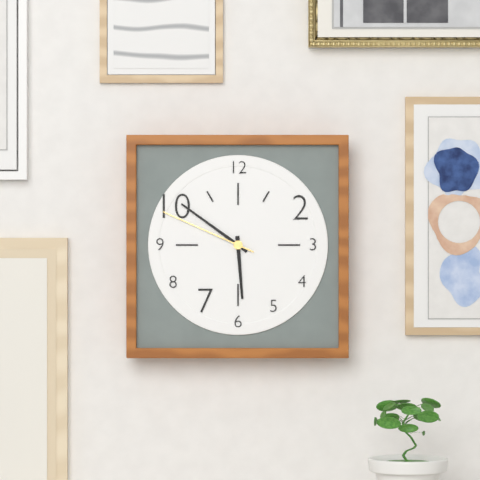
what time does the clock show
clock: 5:51:49
